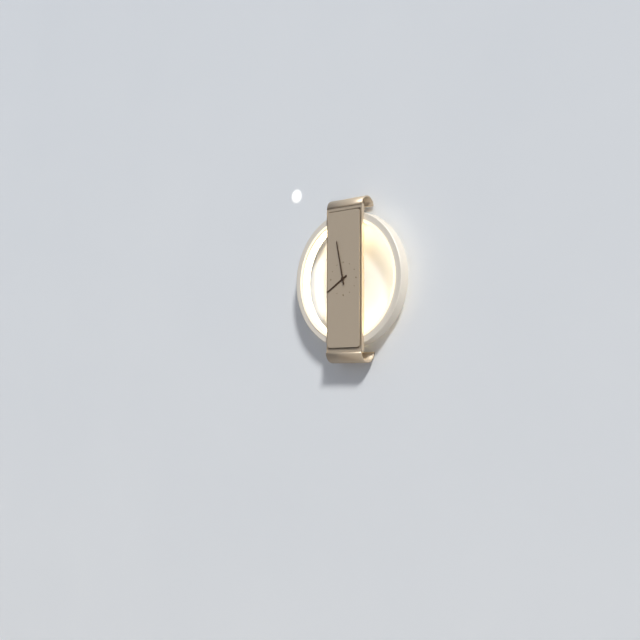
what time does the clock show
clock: 7:58
